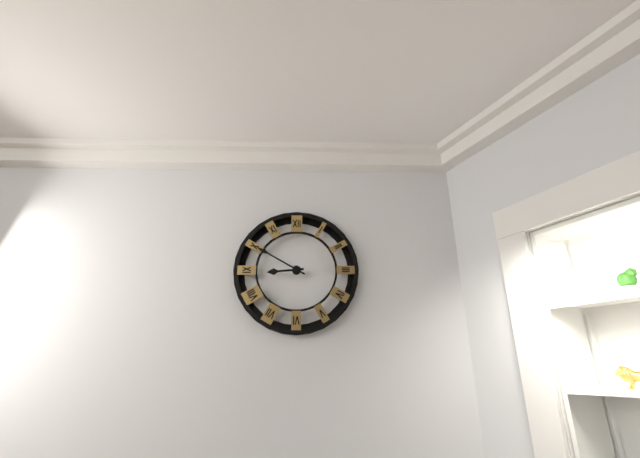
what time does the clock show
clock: 8:50
